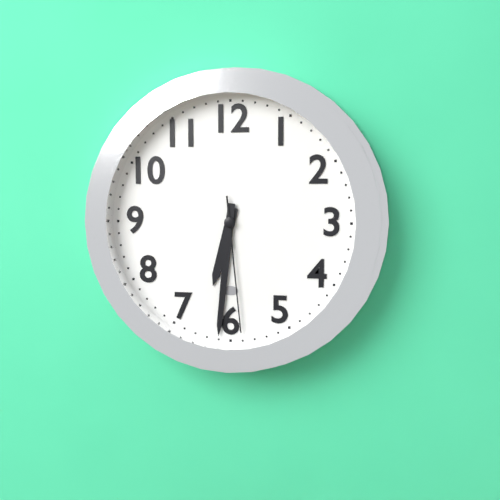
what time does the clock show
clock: 6:31:29
